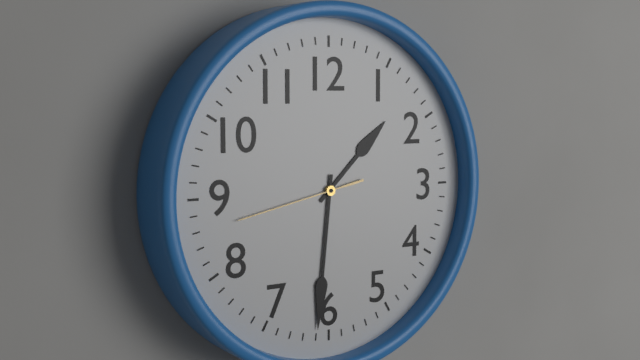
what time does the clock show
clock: 1:31:43
